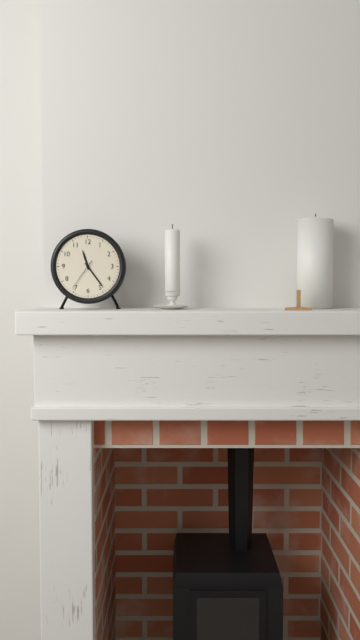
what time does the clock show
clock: 11:24
